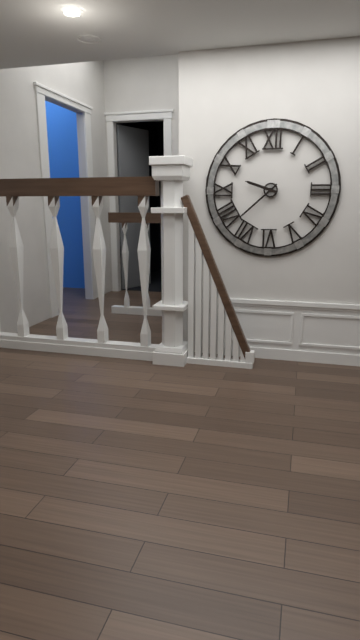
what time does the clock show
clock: 9:38
